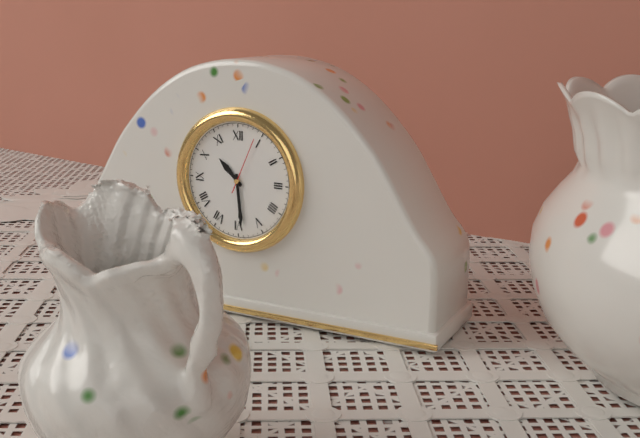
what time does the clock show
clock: 10:29:04
